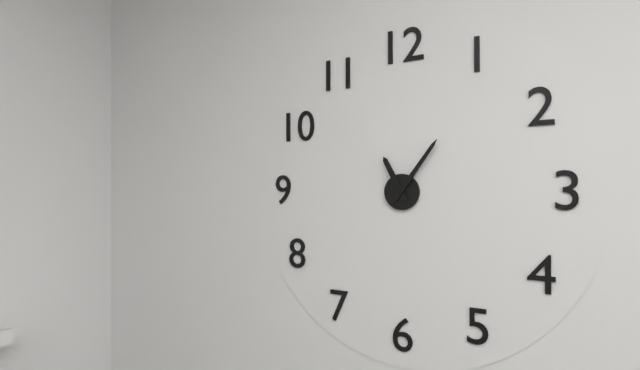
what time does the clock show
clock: 11:06
